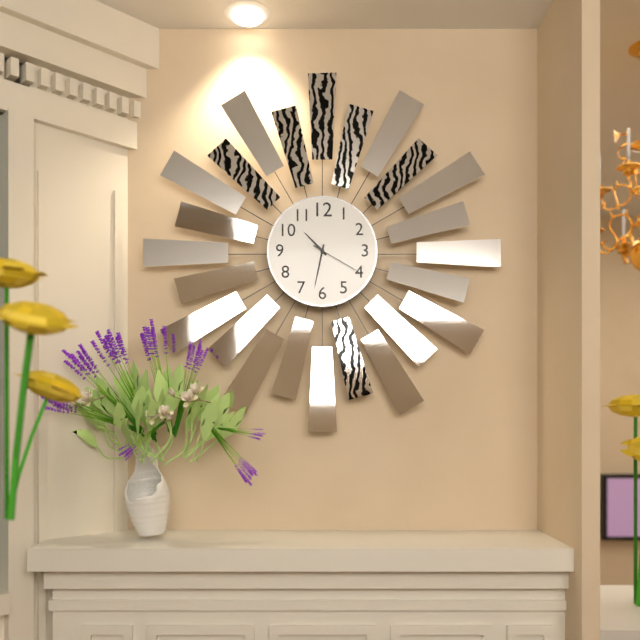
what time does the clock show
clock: 10:32:20
